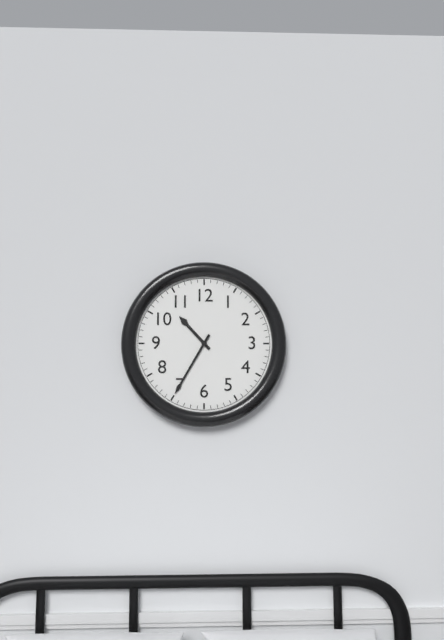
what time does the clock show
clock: 10:35
